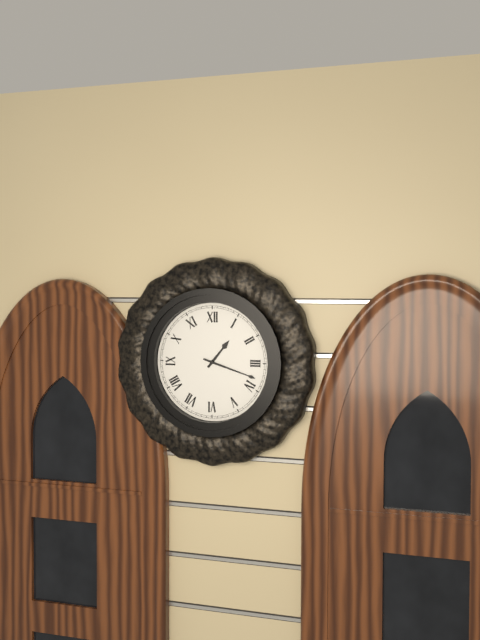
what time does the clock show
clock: 1:18
